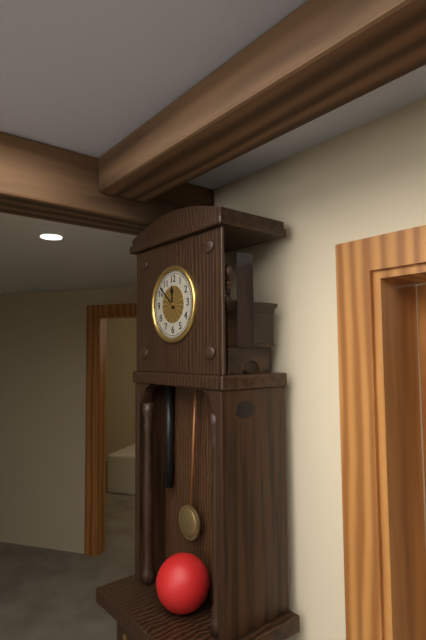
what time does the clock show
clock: 11:52
